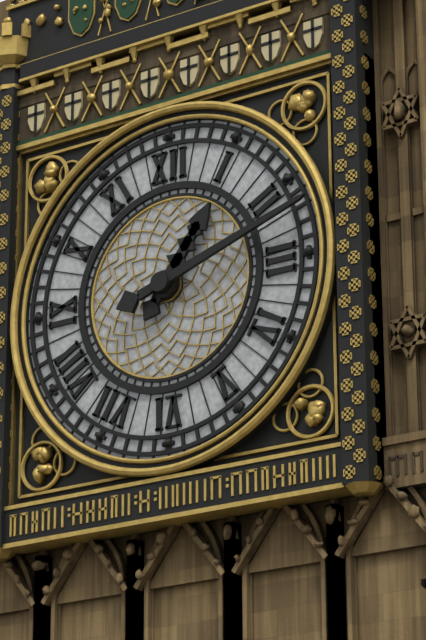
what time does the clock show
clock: 1:12
